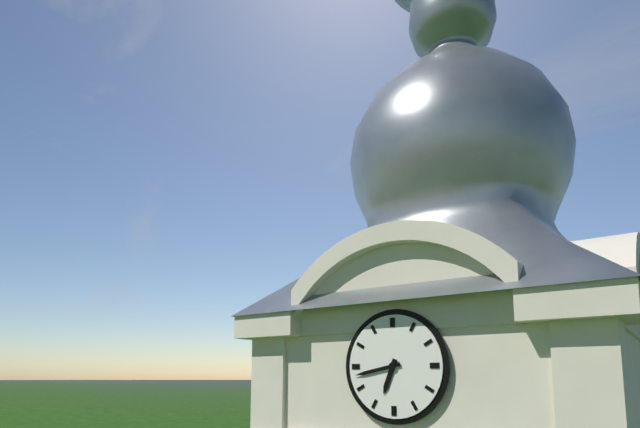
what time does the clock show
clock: 6:43
